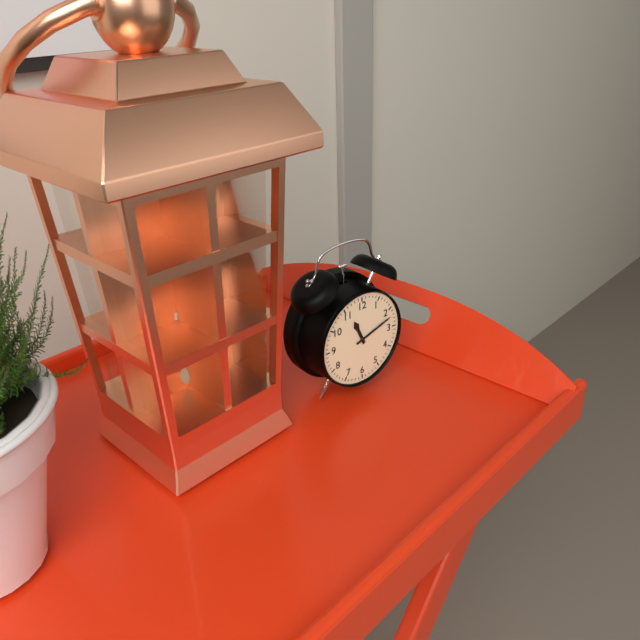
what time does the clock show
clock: 11:12
